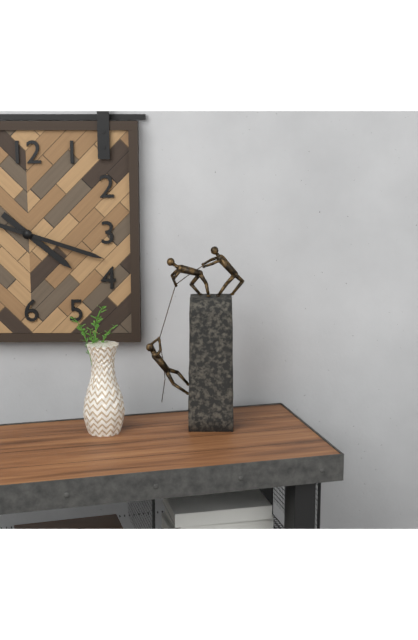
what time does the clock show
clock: 4:18
